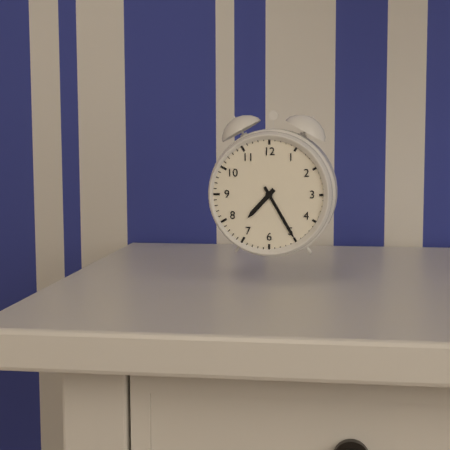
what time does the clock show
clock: 7:25
